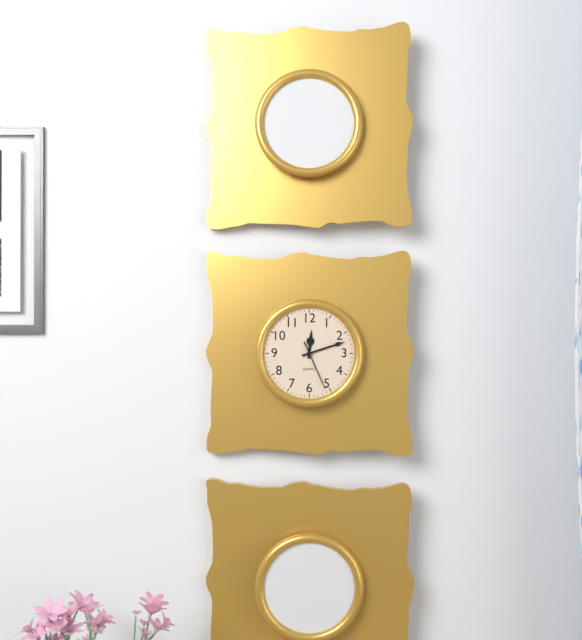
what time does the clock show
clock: 12:12:26
